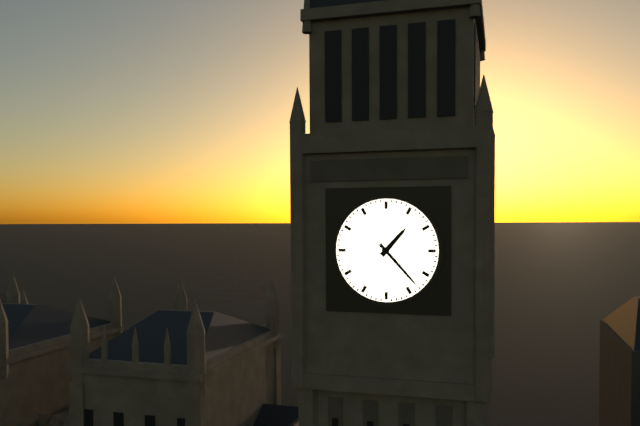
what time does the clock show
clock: 1:23
